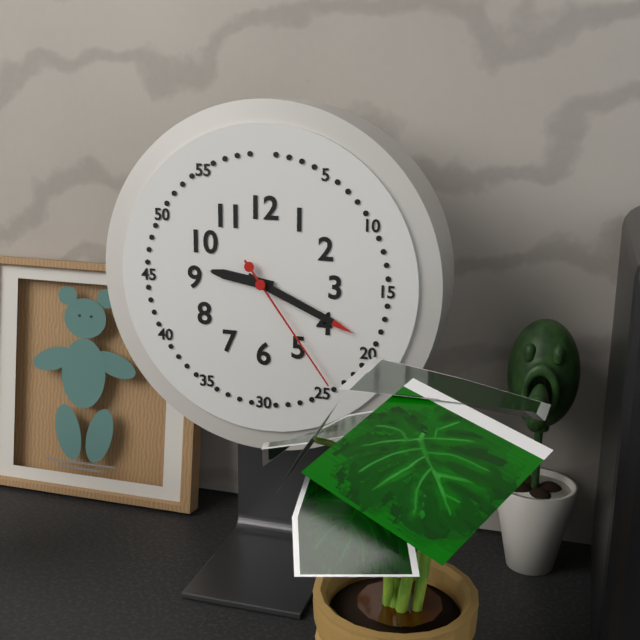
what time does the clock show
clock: 9:19:24
